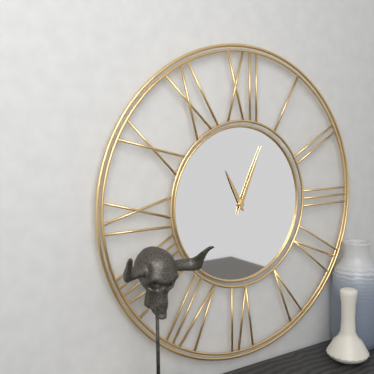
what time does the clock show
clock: 11:04
